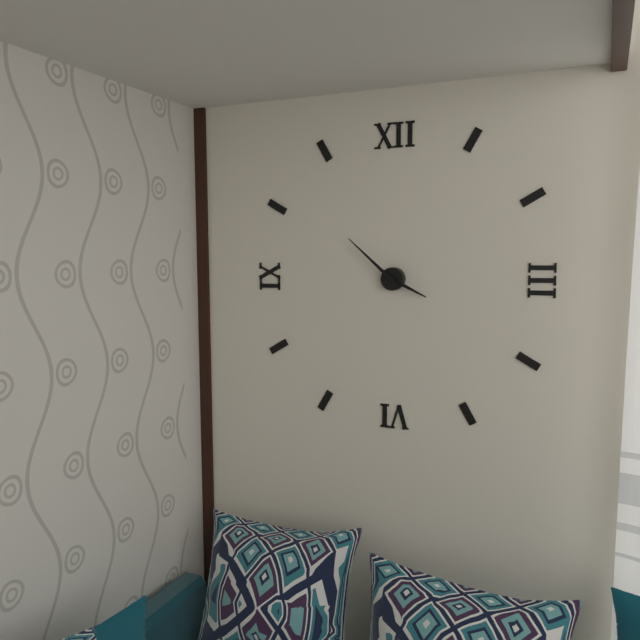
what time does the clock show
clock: 3:52
